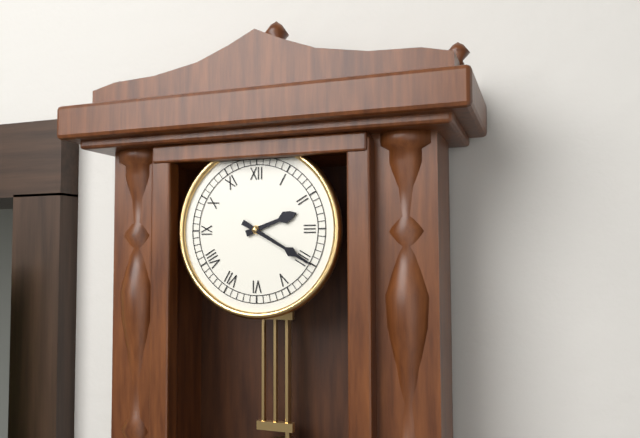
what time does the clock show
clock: 2:20
